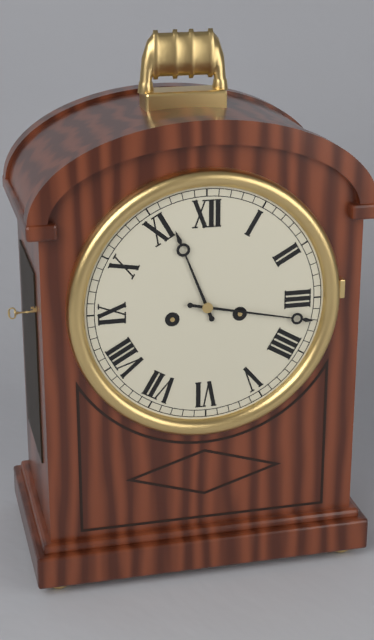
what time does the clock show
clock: 11:17
